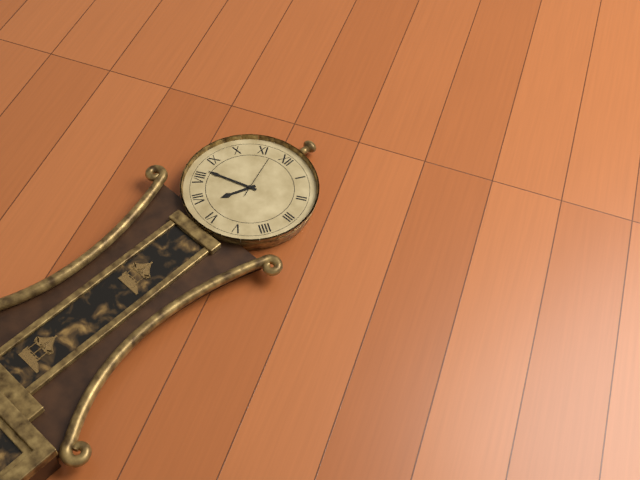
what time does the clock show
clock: 6:42
